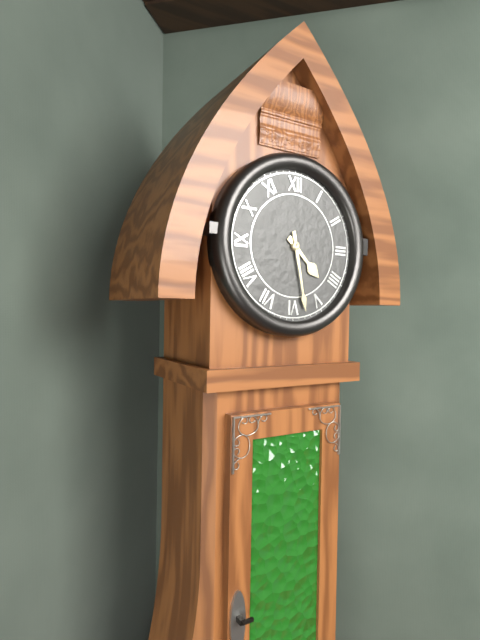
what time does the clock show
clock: 4:28
